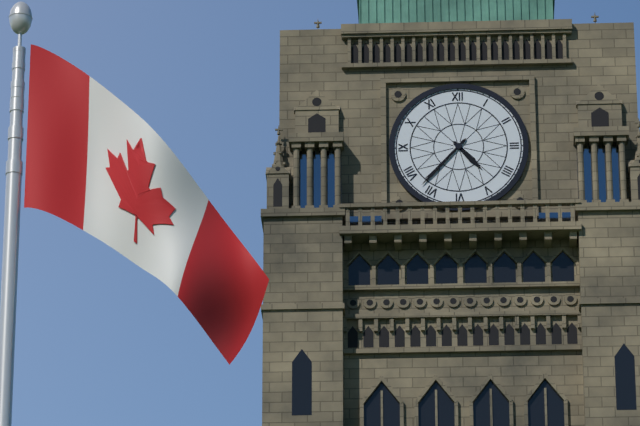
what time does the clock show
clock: 4:37
